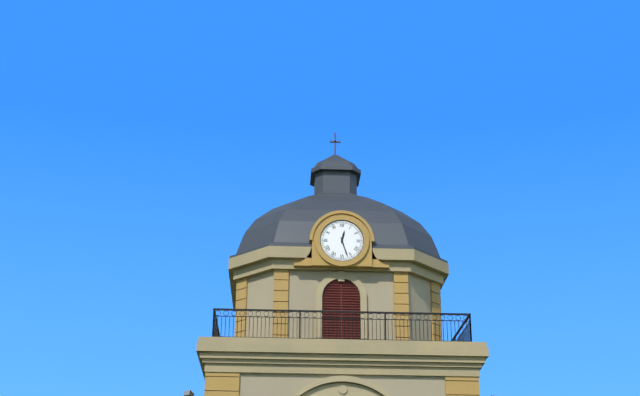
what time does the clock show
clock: 12:27
